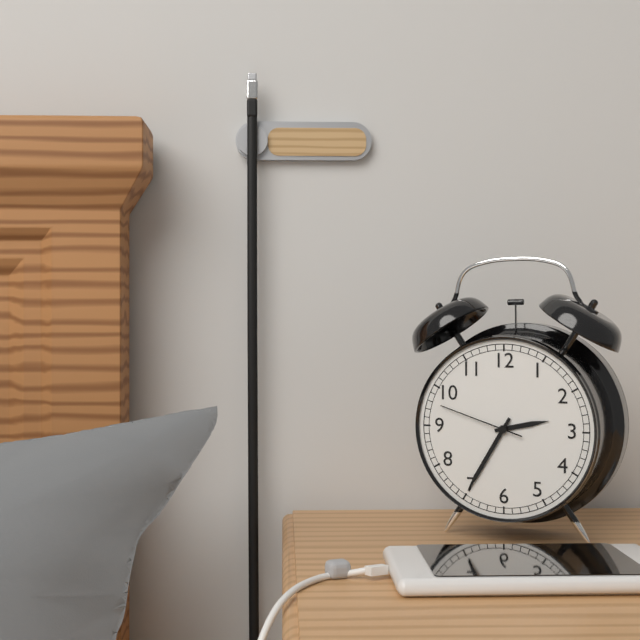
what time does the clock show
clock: 2:35:48
